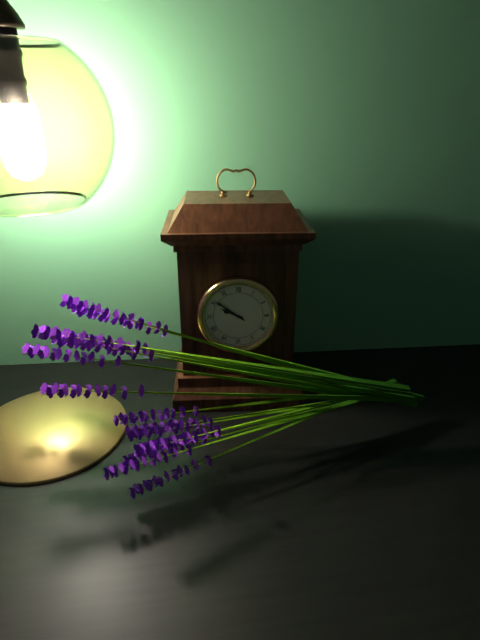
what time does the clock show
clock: 9:51
